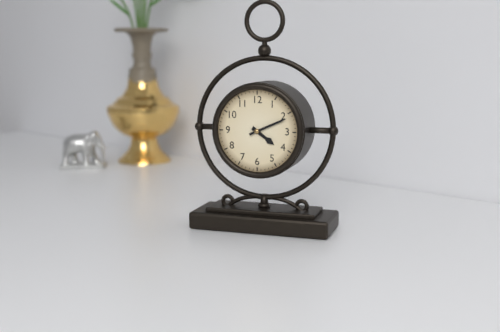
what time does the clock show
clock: 4:11
